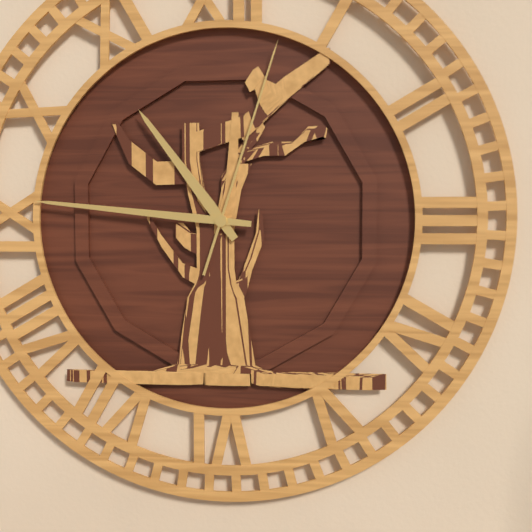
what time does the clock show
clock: 10:46:03
